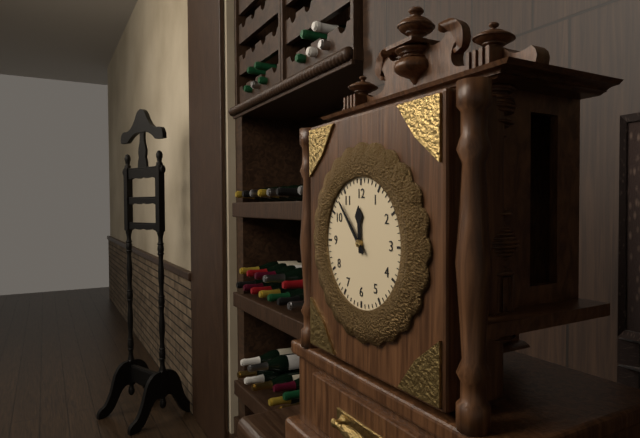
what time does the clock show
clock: 11:53
